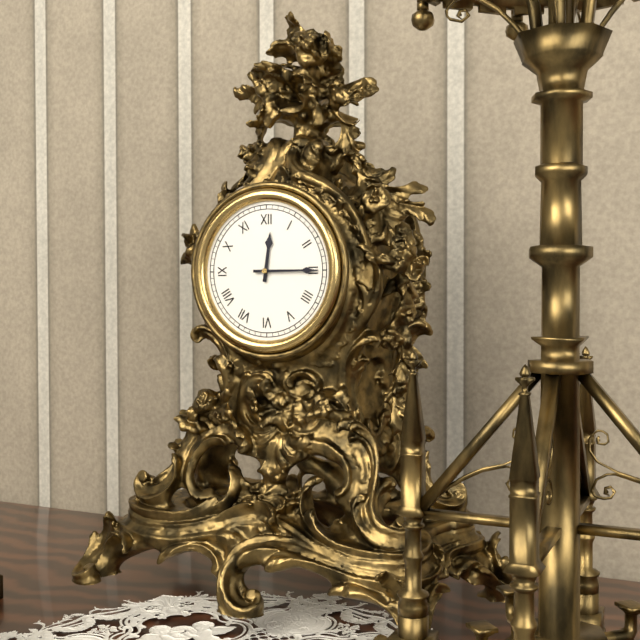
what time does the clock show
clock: 12:15
